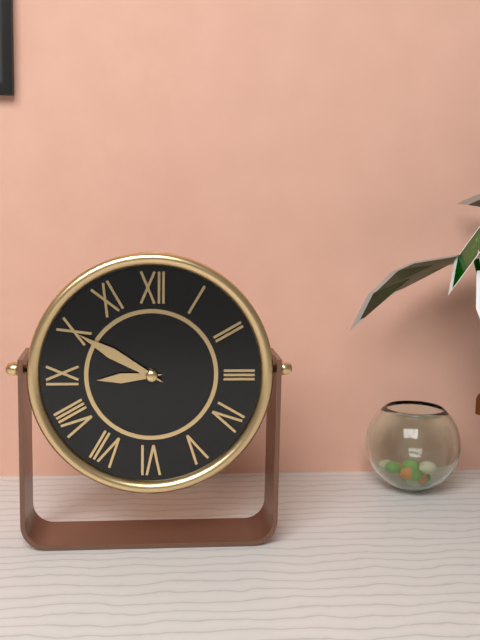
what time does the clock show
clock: 8:50
